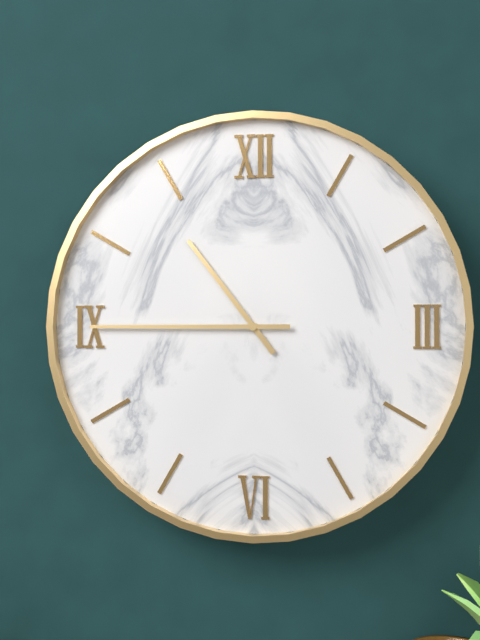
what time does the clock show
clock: 10:45
